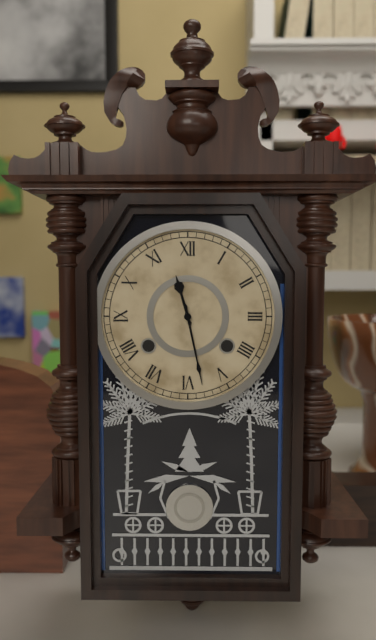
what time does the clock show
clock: 11:28
